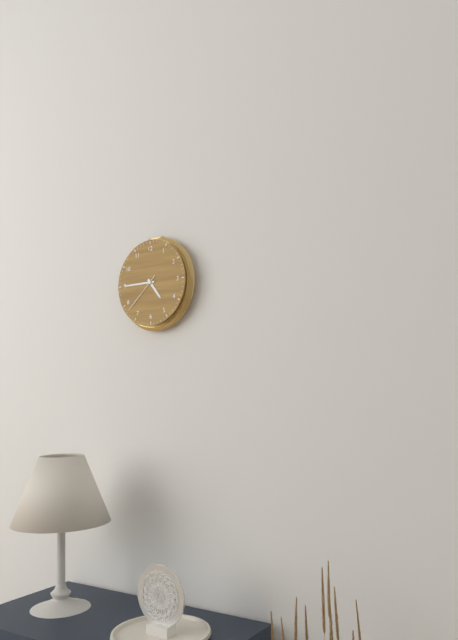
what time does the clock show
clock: 4:45
